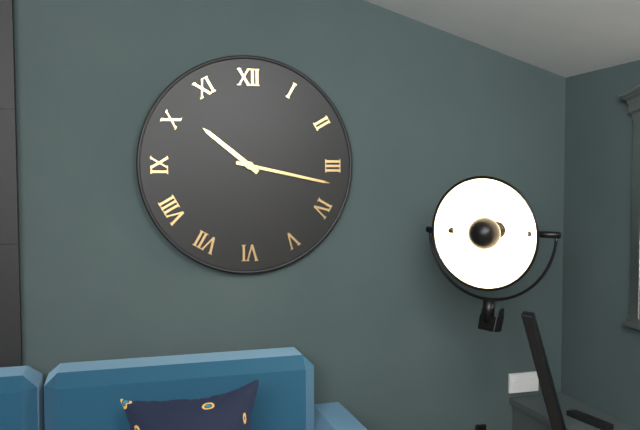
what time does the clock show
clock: 10:17
